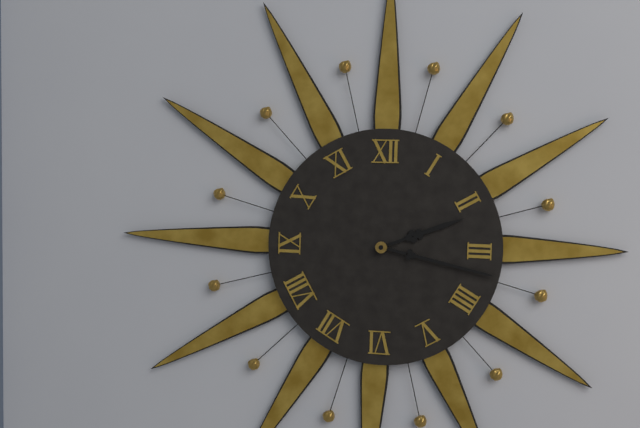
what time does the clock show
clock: 2:17
